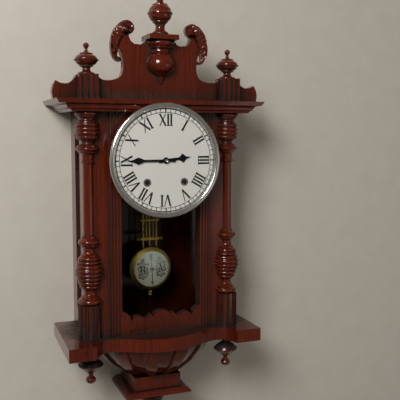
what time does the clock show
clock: 2:45
